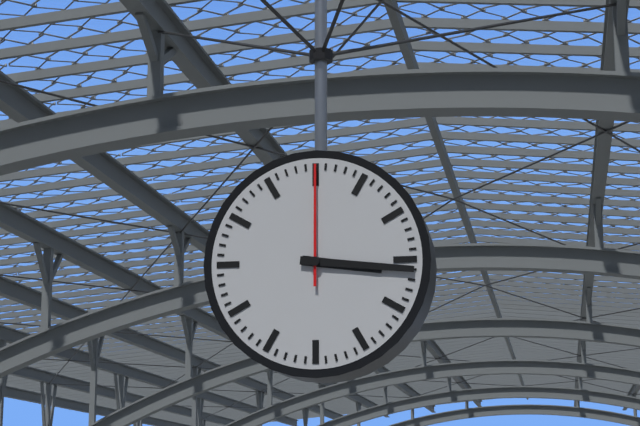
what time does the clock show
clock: 3:16:00
